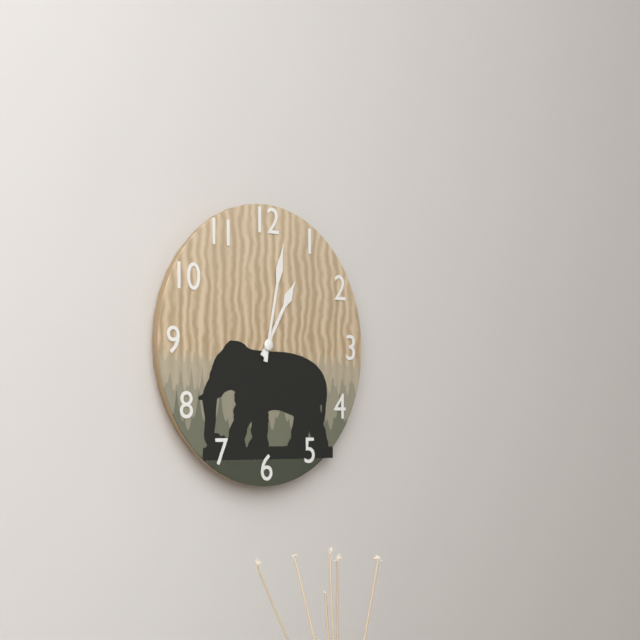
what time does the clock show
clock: 1:02
